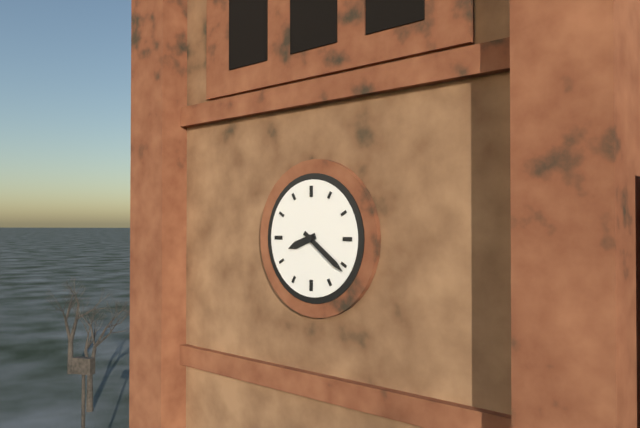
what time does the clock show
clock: 8:21
